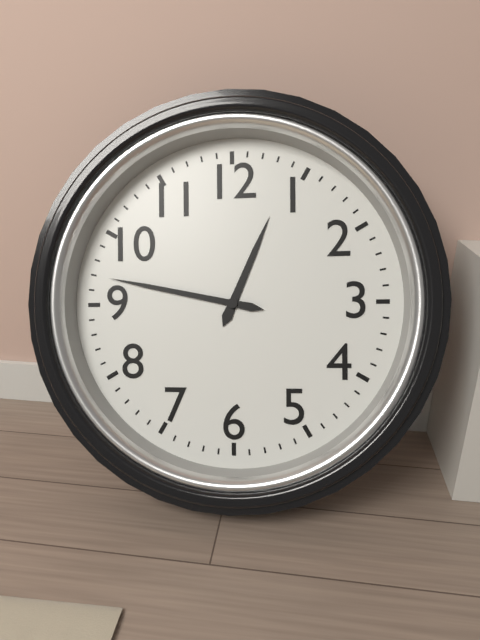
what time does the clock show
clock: 12:47
